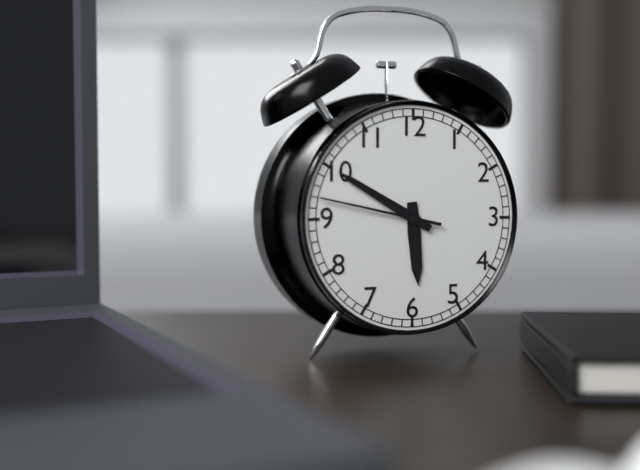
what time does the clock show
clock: 5:50:47
